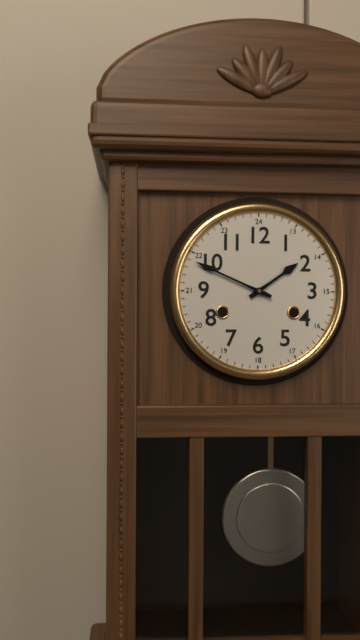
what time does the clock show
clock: 1:49
